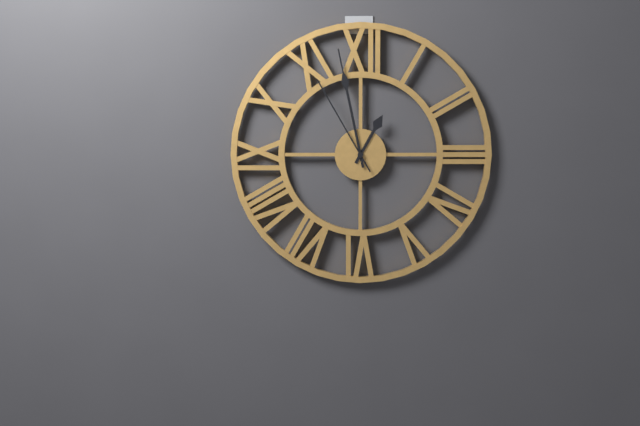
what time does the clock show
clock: 12:58:55
